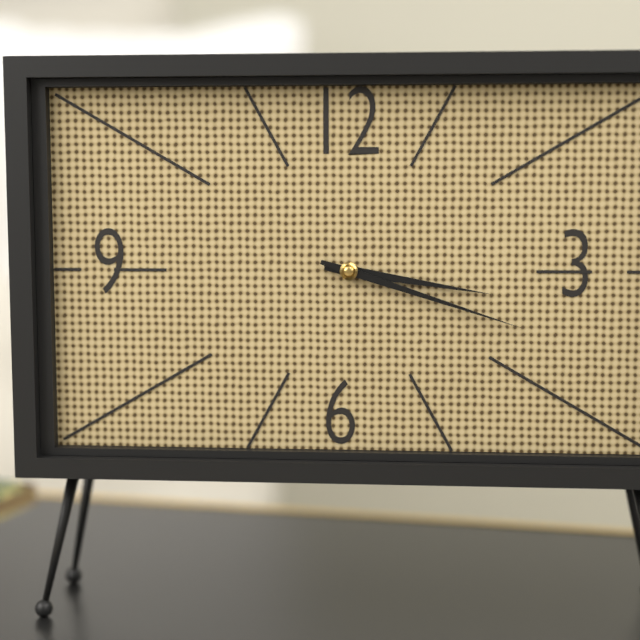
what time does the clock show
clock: 3:18
